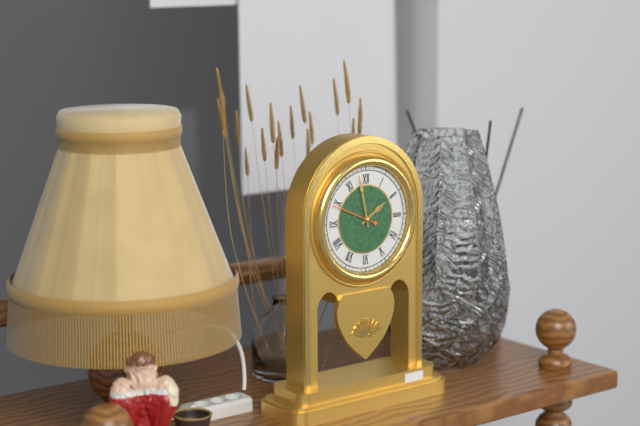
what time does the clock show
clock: 1:58
